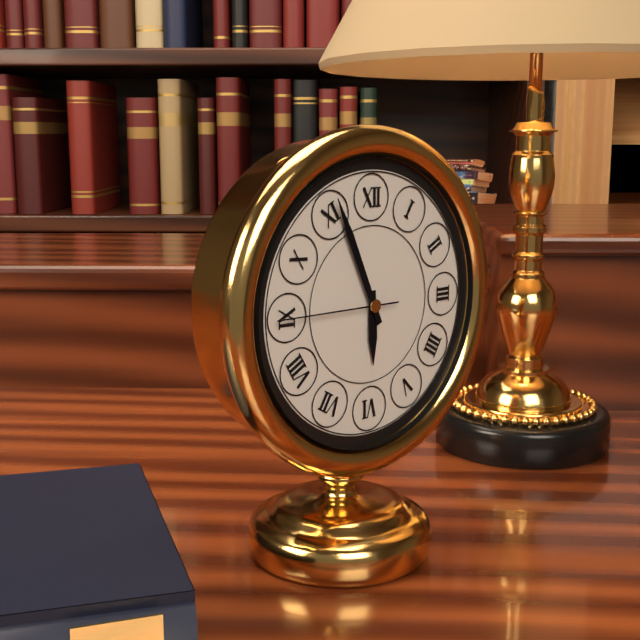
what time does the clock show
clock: 5:56:45
